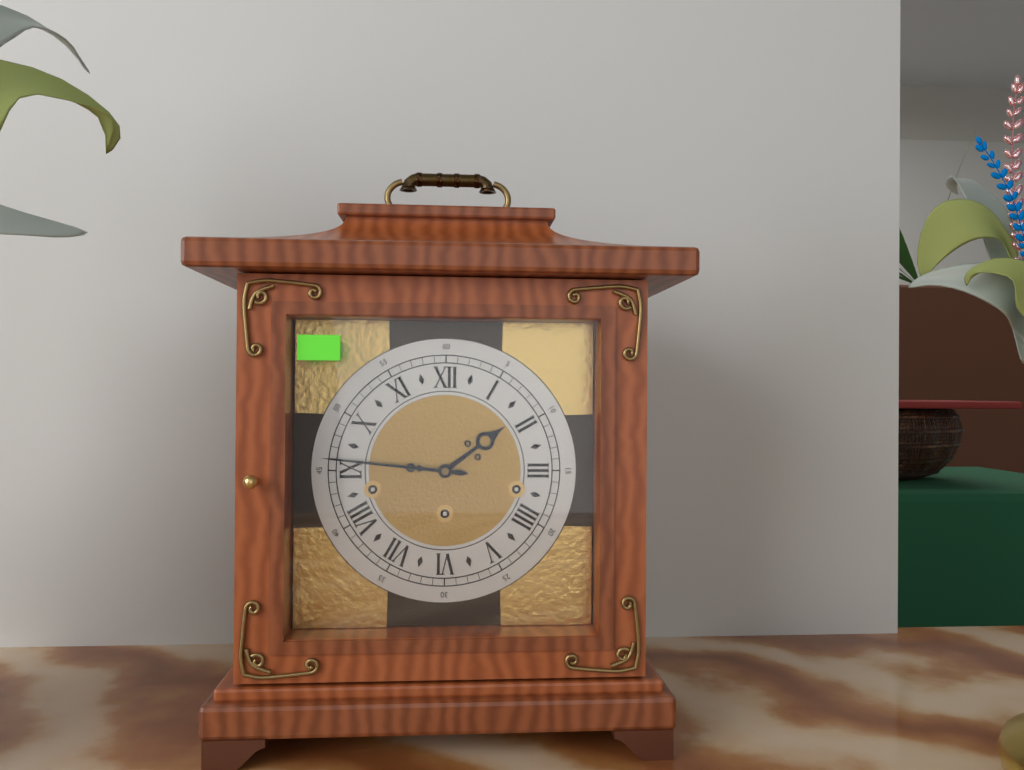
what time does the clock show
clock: 1:46
